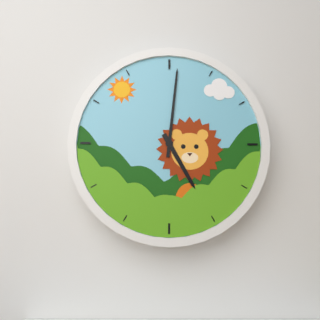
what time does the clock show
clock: 5:01
